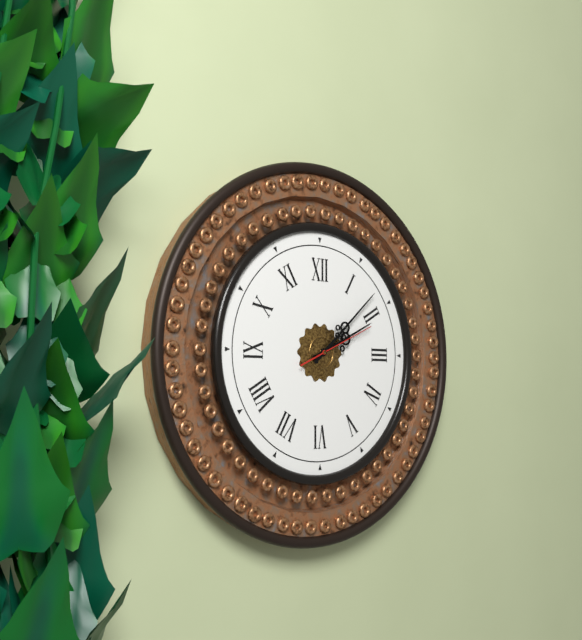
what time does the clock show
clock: 2:08:11
